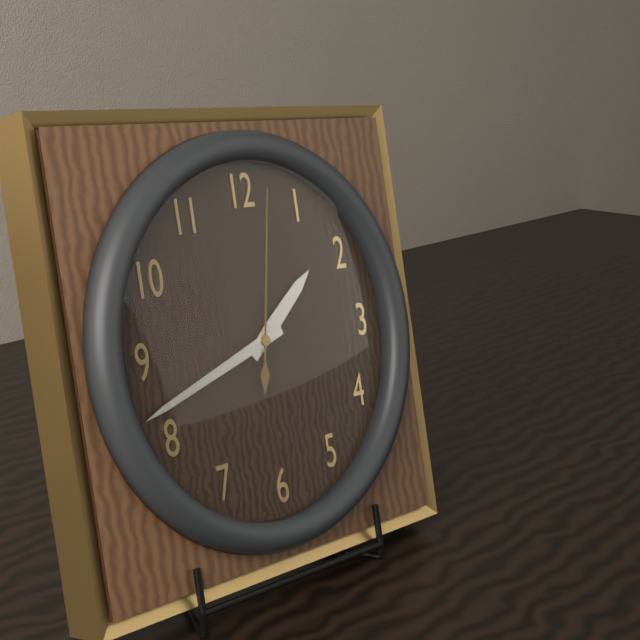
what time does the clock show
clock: 1:42:02
